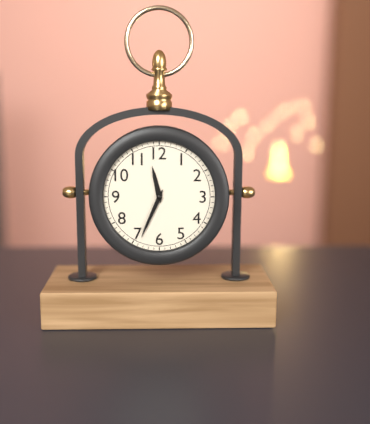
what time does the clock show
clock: 11:34
